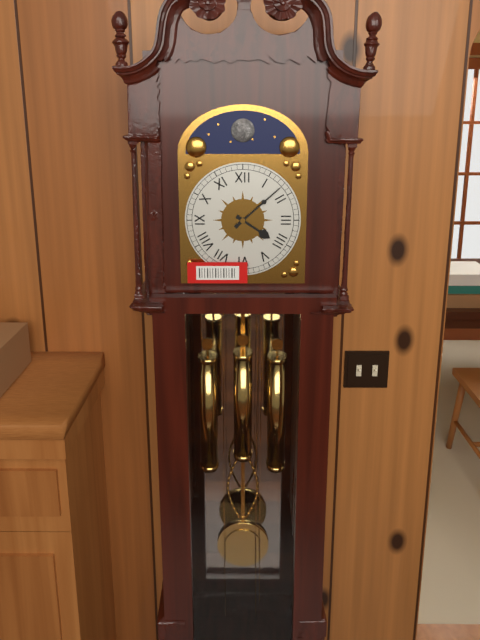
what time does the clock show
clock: 4:08
